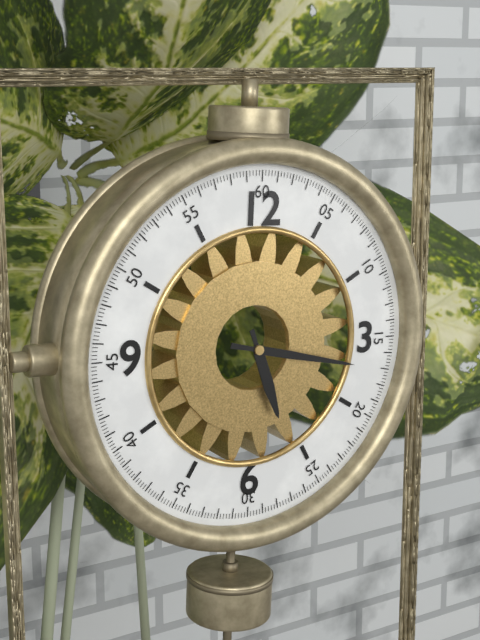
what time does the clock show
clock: 5:17
